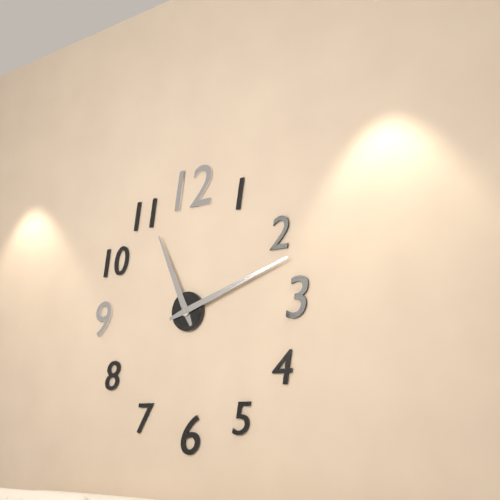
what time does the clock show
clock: 11:12
